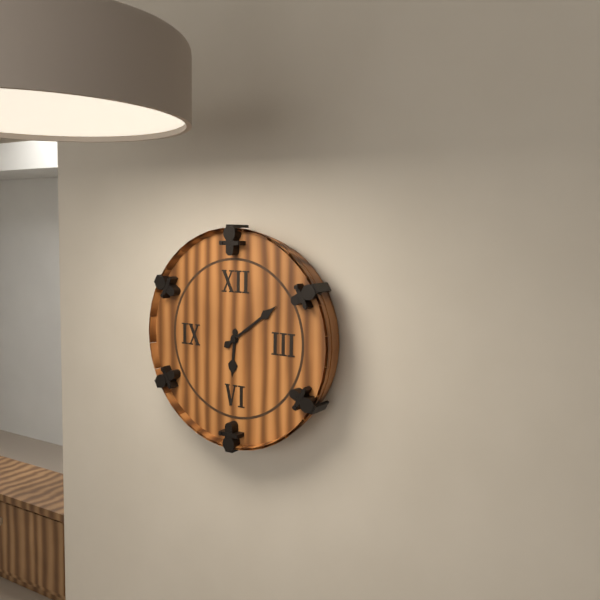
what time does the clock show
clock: 6:09
